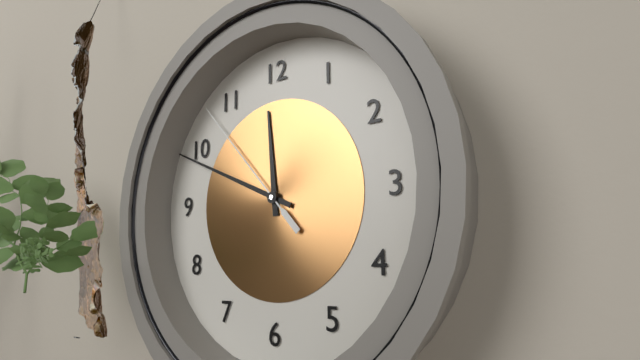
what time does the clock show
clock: 11:49:53
